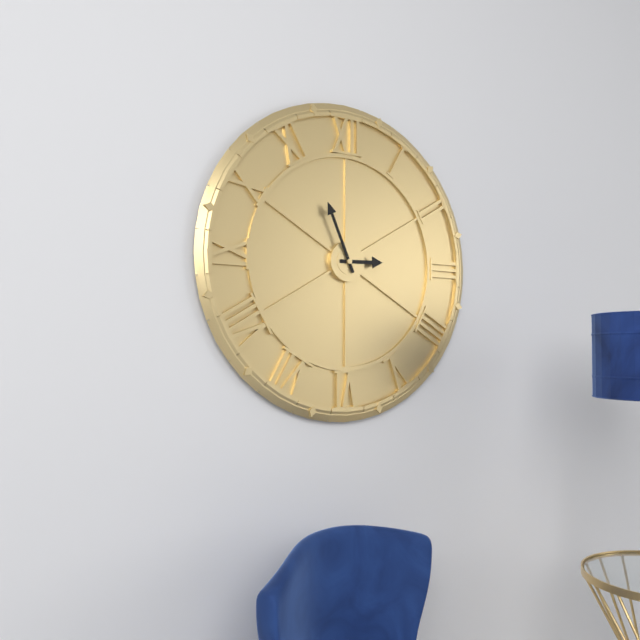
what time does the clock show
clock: 2:56
